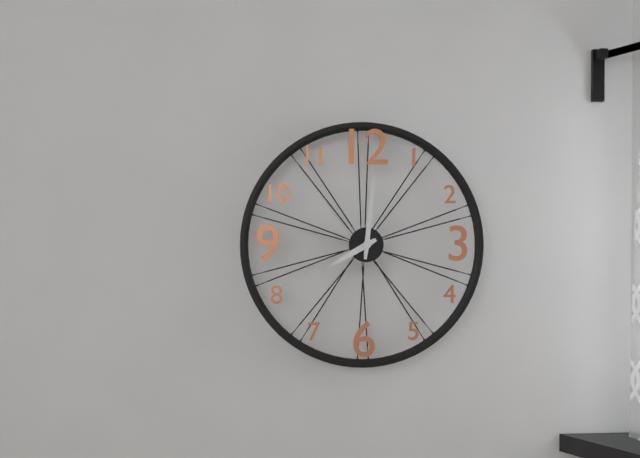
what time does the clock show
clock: 8:01
